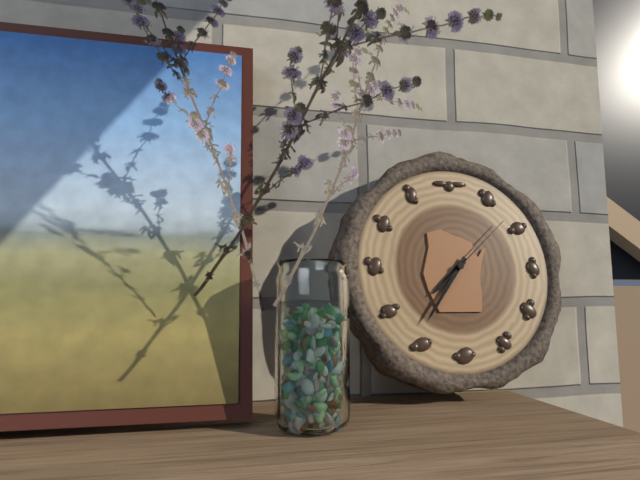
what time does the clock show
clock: 7:36:08
